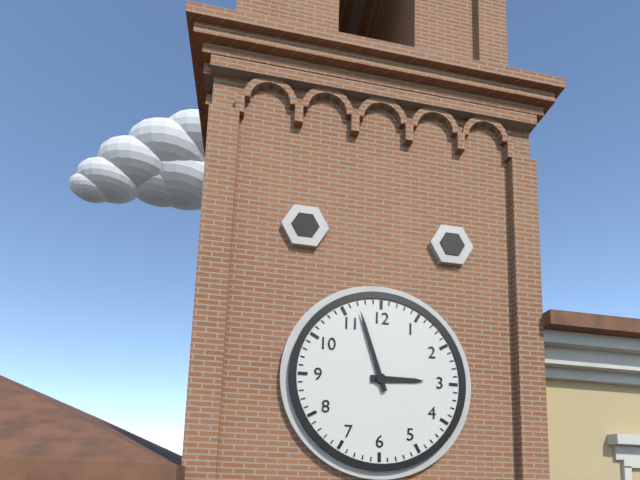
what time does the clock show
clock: 2:57
